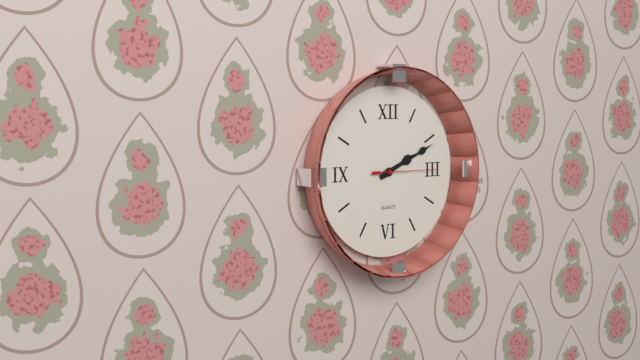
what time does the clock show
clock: 2:11:15
